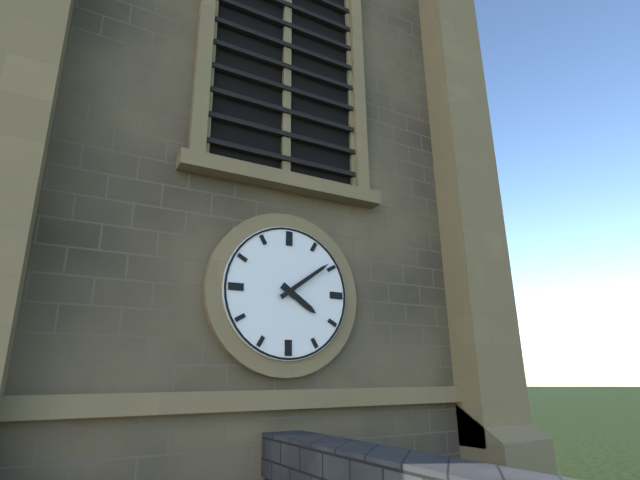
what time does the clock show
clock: 4:09
